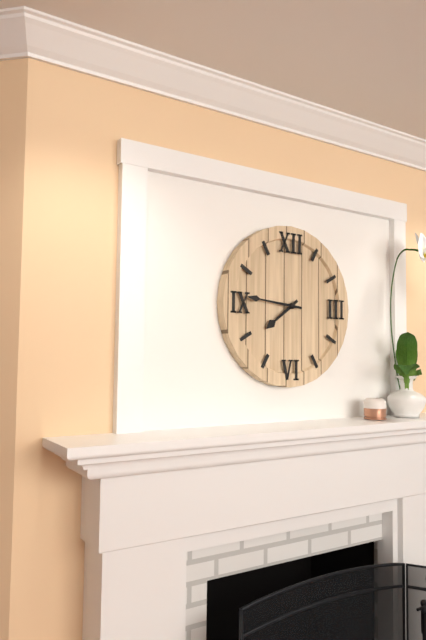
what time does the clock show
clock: 7:46
